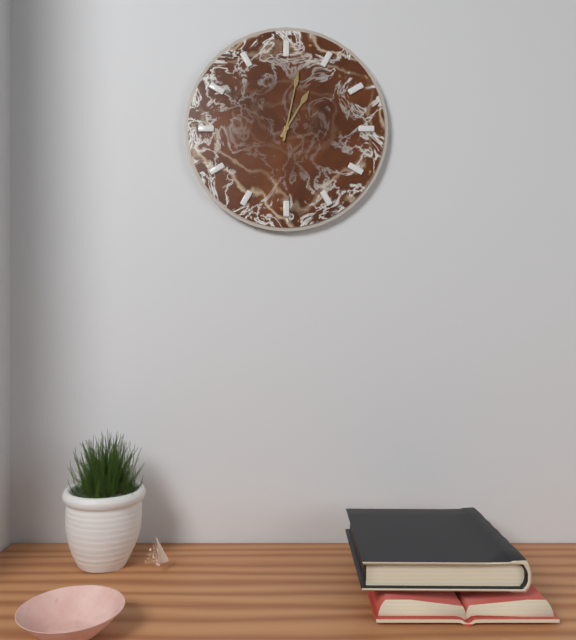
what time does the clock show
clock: 1:02
